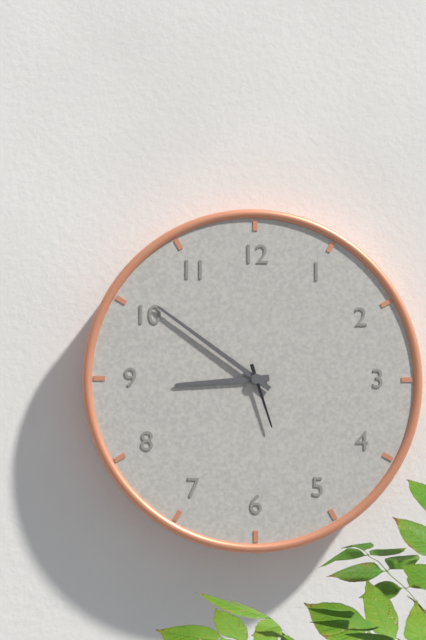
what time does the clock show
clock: 8:51:27
